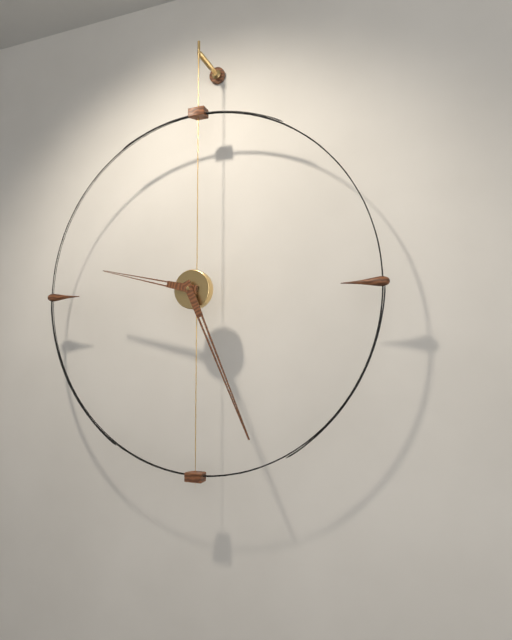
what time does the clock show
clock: 9:26
